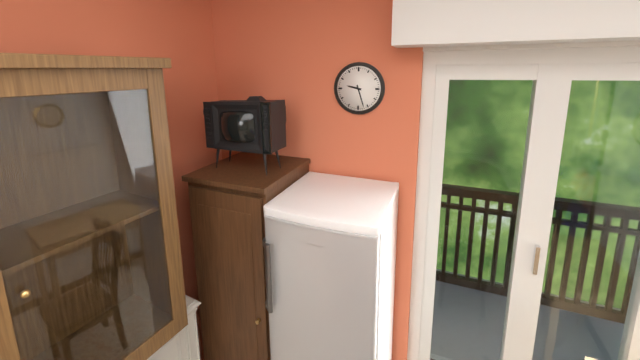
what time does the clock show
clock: 9:27
